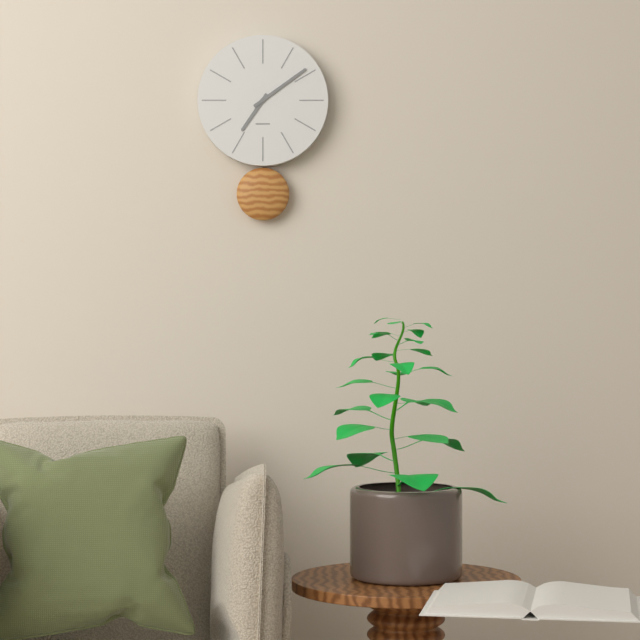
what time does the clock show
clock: 7:09
